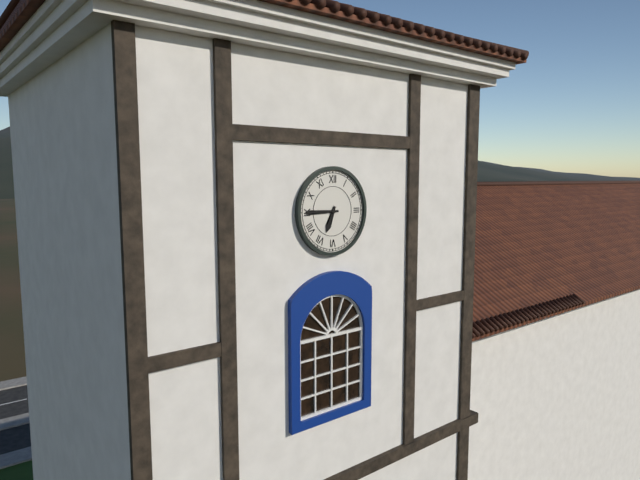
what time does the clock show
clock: 6:45
